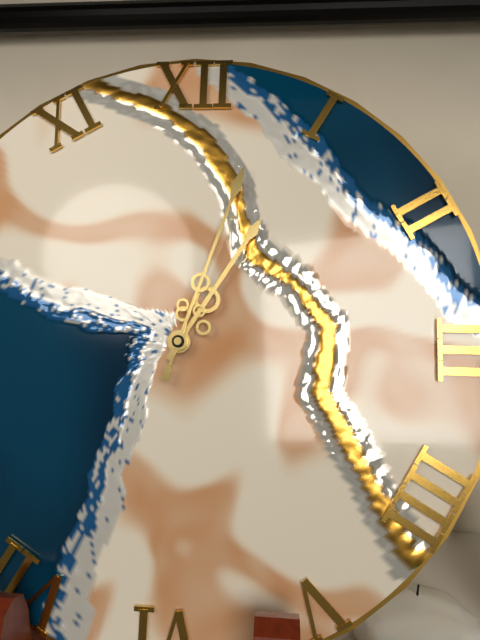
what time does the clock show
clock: 1:03
